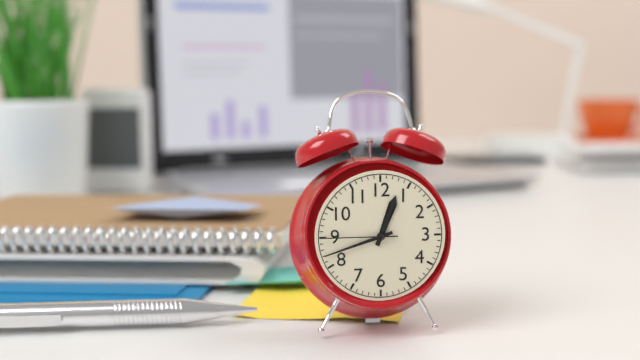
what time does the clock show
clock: 12:42:45
